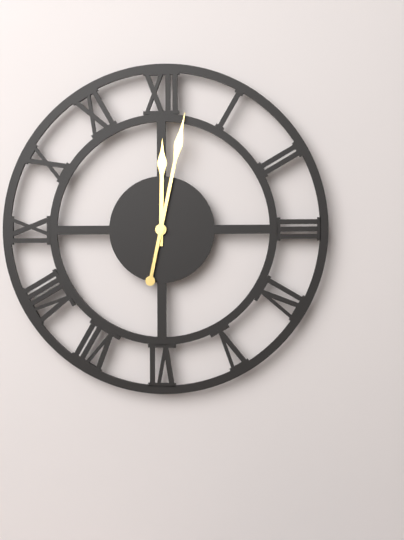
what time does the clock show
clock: 12:02
